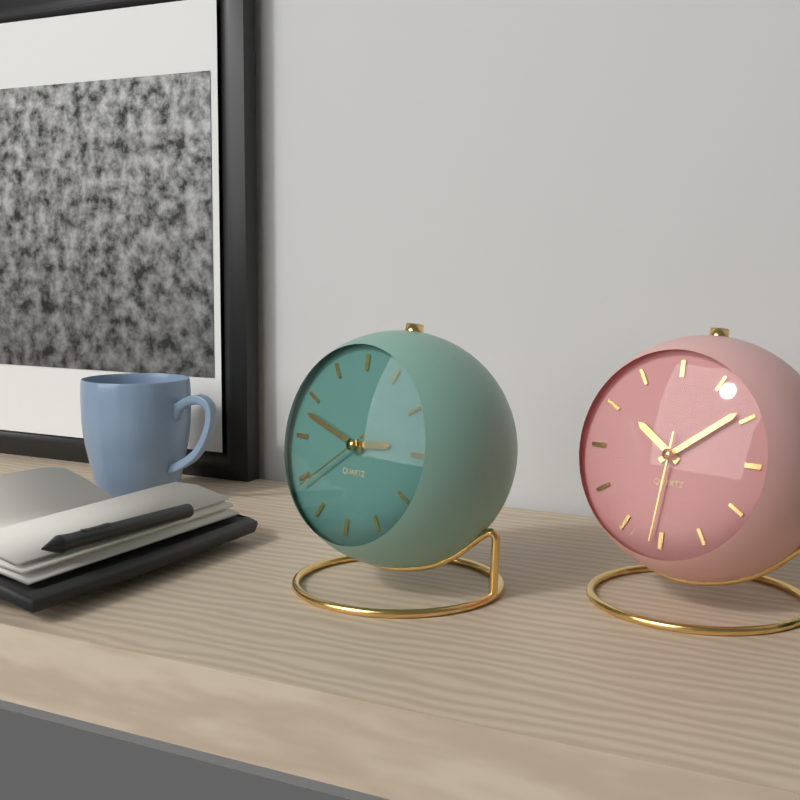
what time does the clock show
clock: 2:48:39
